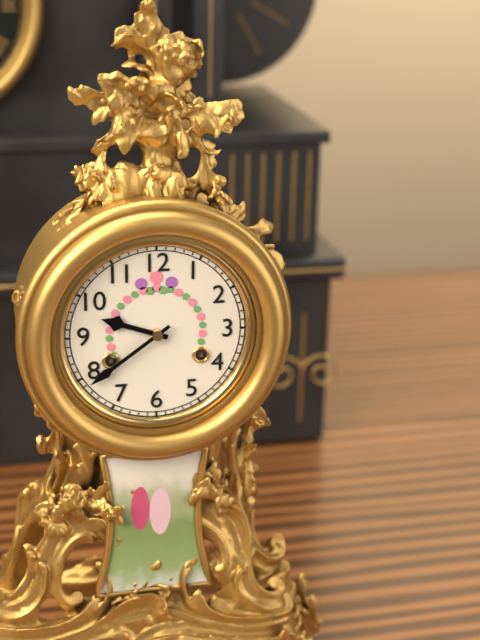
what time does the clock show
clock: 9:39
